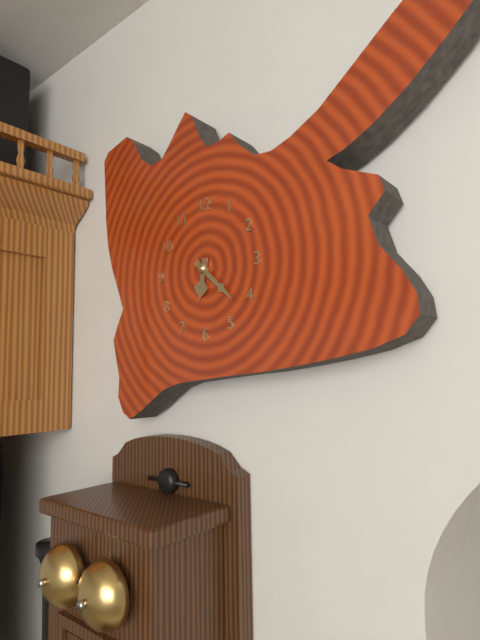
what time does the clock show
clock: 6:22
